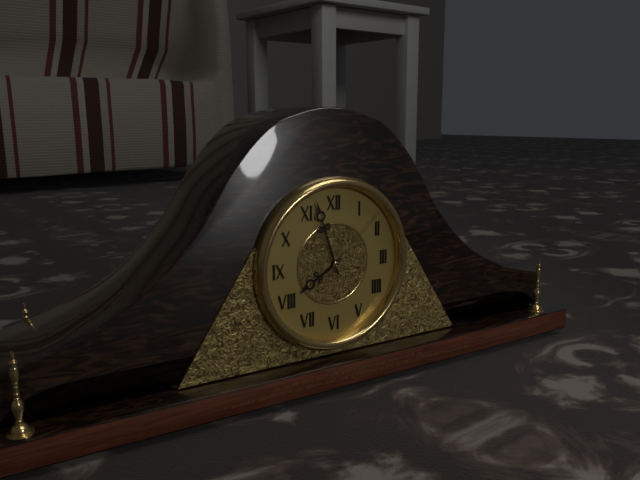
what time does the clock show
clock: 7:57:08
